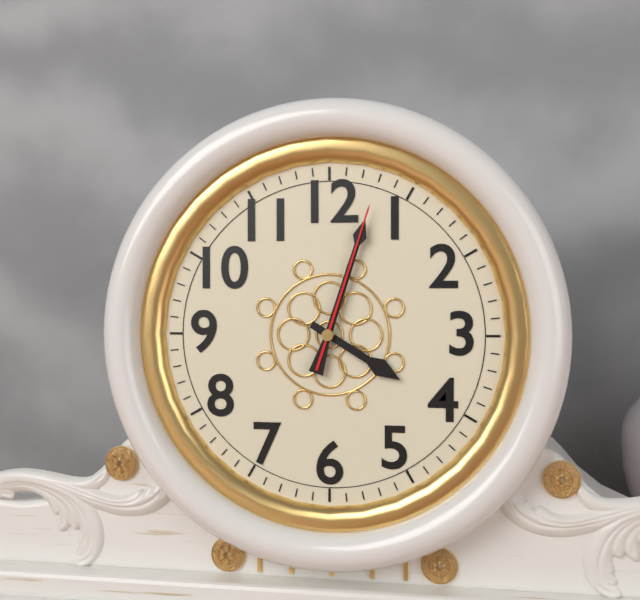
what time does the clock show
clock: 4:03:03
